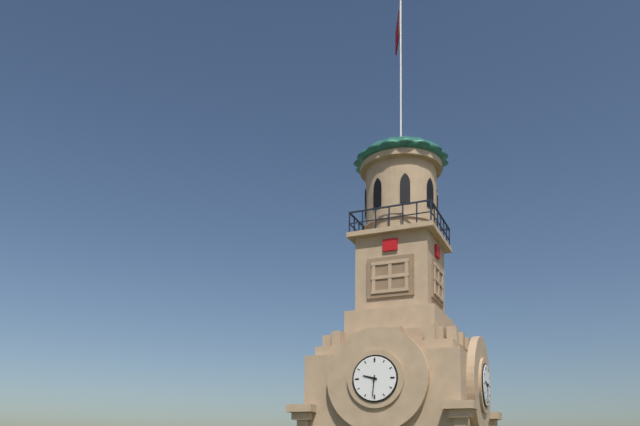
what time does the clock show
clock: 9:31
